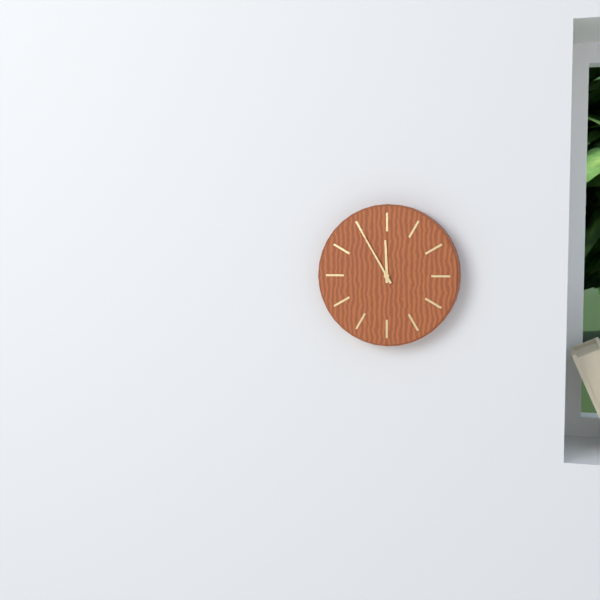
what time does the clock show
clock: 11:55
